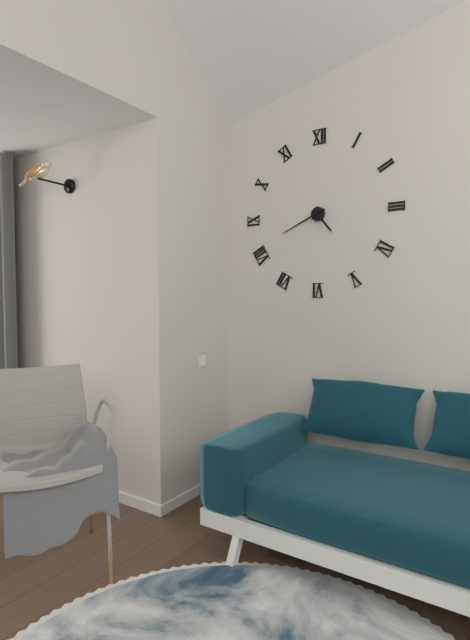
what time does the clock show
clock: 4:41
